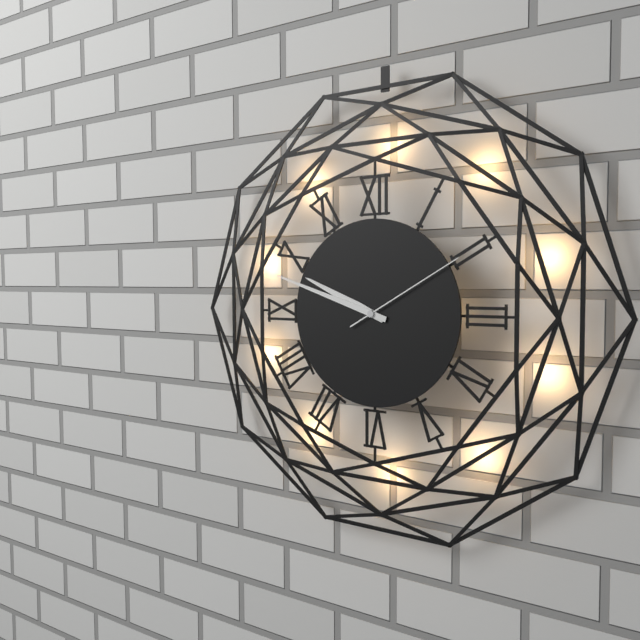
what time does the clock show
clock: 9:48:10
